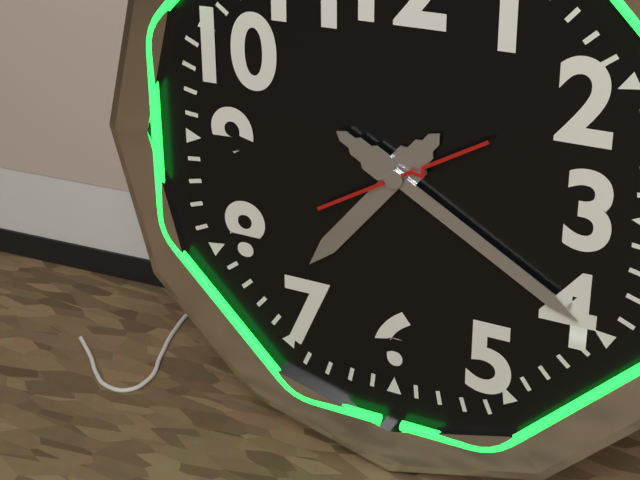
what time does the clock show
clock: 7:20:10
